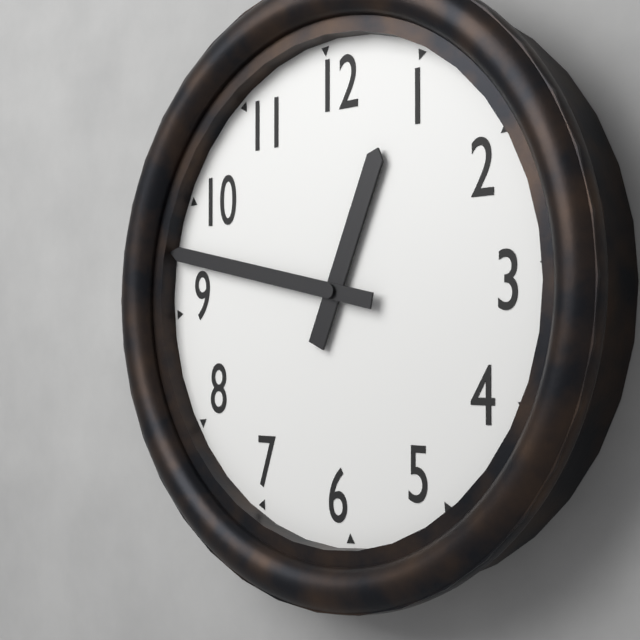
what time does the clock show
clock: 12:47
